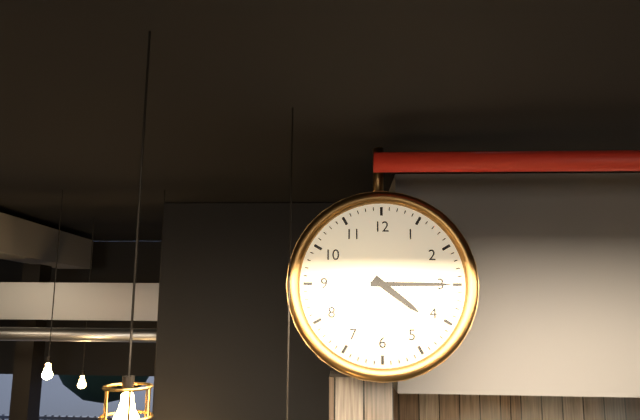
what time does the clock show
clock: 4:15
